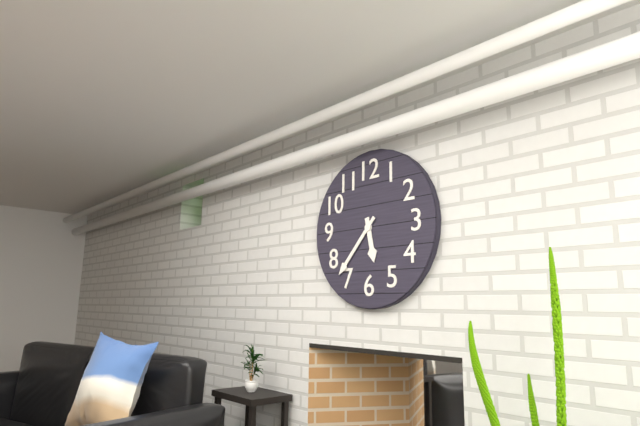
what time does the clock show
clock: 5:37
